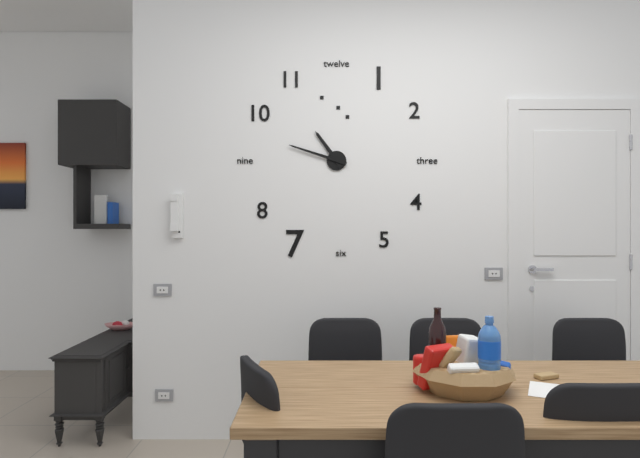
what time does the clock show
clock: 10:48
